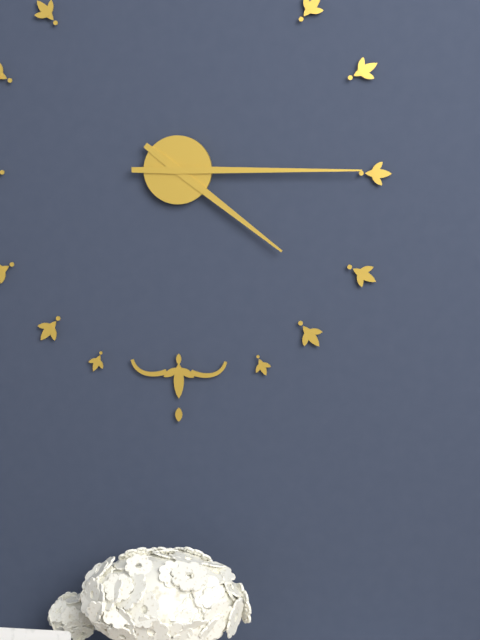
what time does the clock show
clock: 4:15
